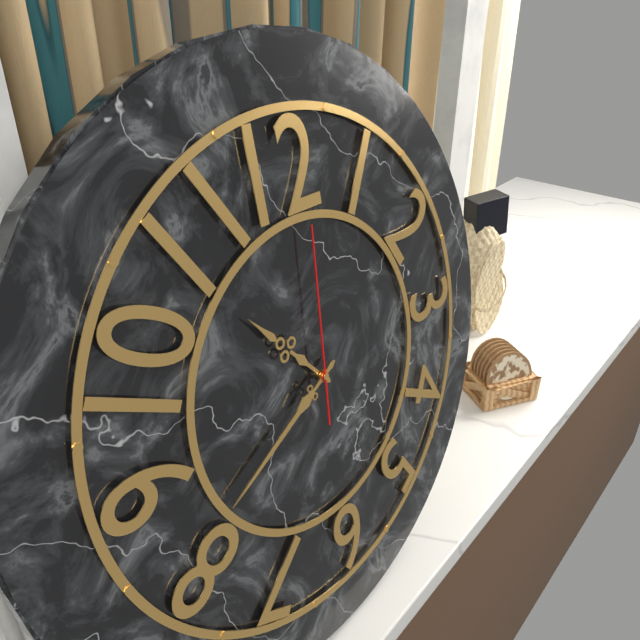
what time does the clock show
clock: 10:41:01
